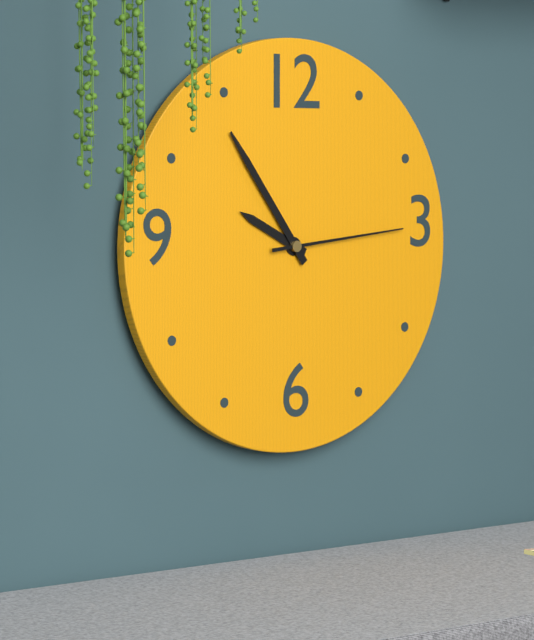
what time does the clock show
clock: 9:54:14
